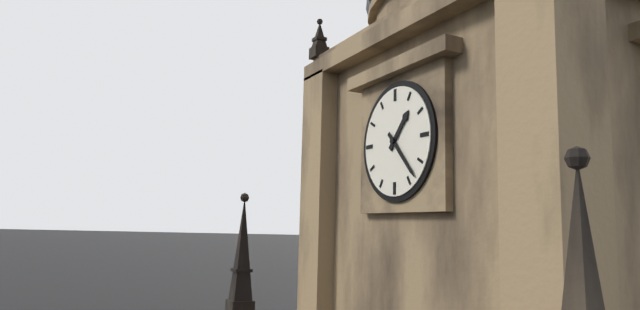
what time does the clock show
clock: 1:23
